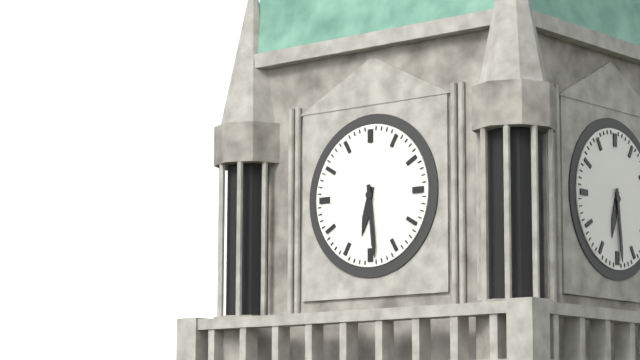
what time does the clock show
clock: 6:29
